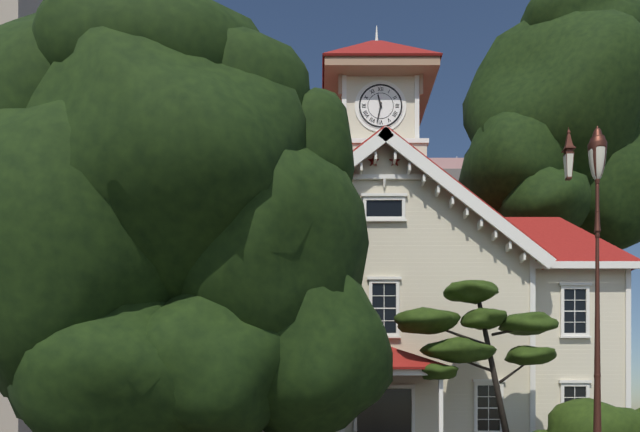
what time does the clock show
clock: 11:32
